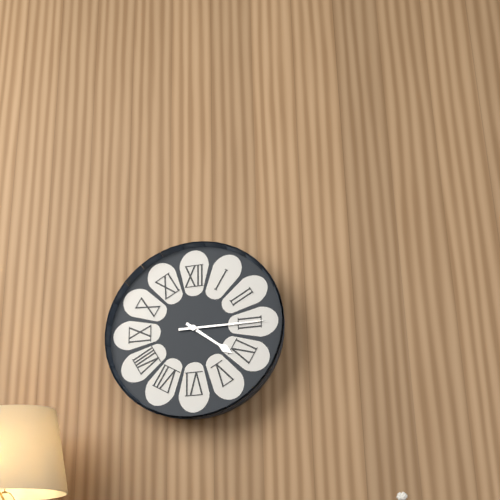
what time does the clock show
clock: 4:15
